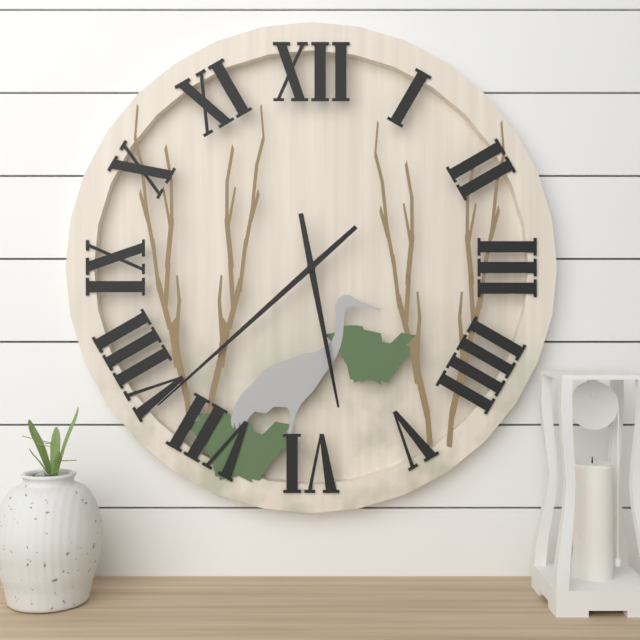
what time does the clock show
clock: 5:38
